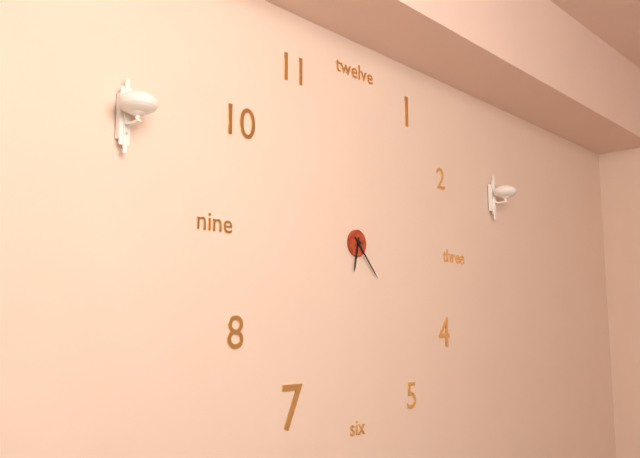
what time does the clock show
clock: 6:23
